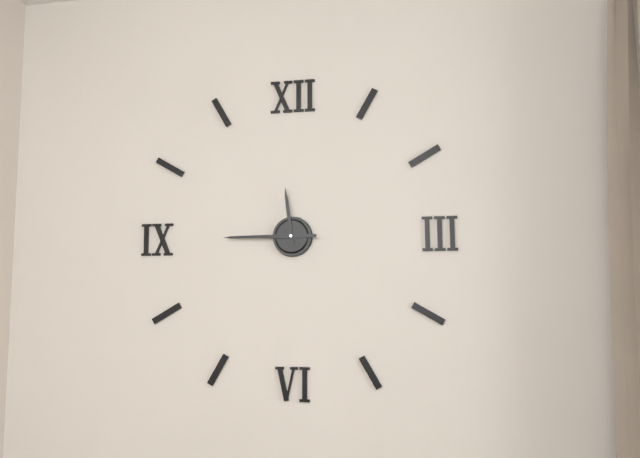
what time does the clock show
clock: 11:45
